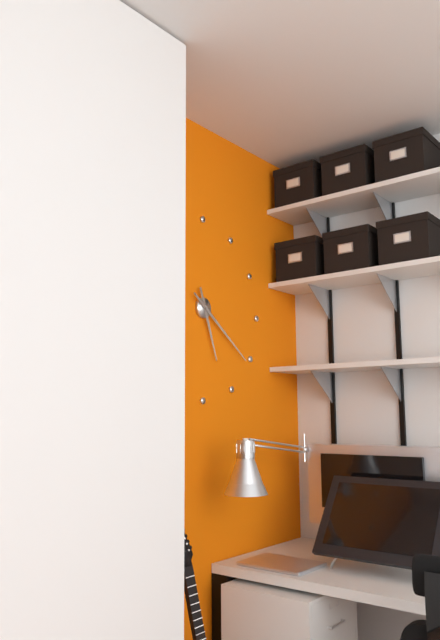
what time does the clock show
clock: 5:21
